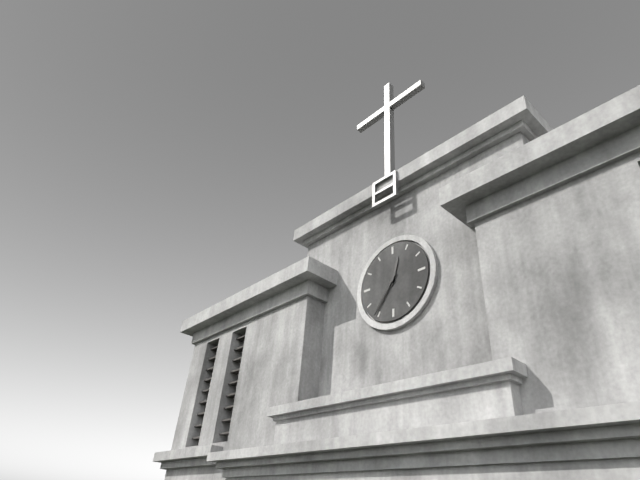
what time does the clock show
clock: 12:36
